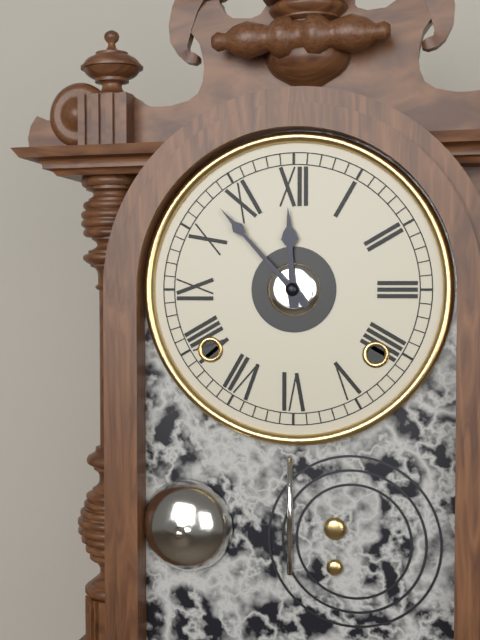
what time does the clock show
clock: 11:53
